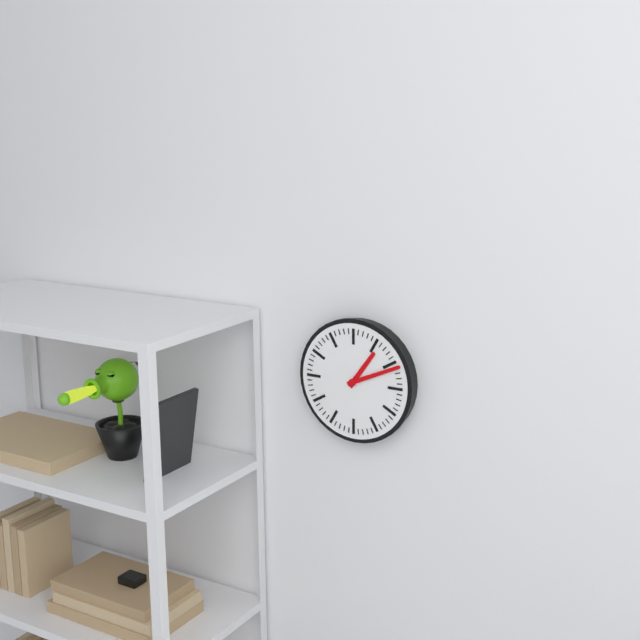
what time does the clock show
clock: 1:11
